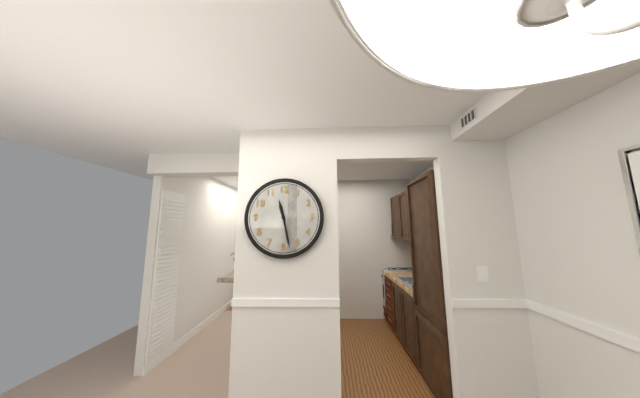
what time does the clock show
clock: 11:28
